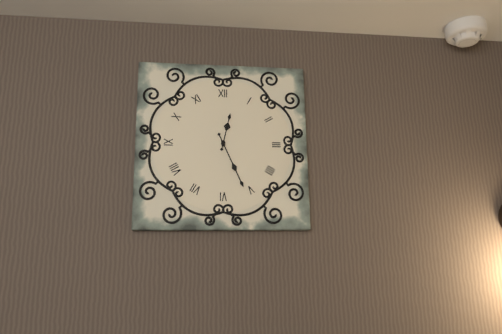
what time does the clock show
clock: 12:26
